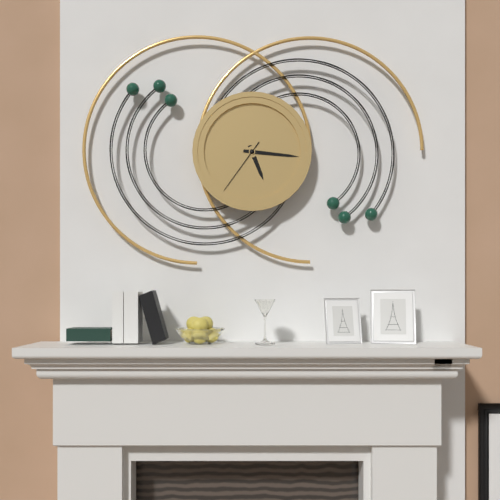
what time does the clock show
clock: 5:16:36
